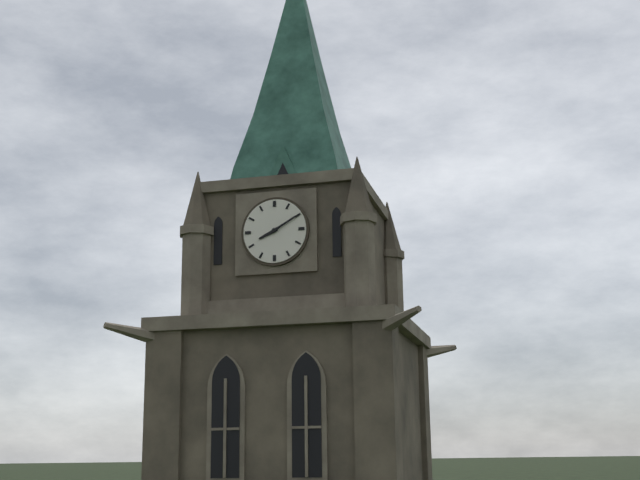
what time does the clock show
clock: 8:10
